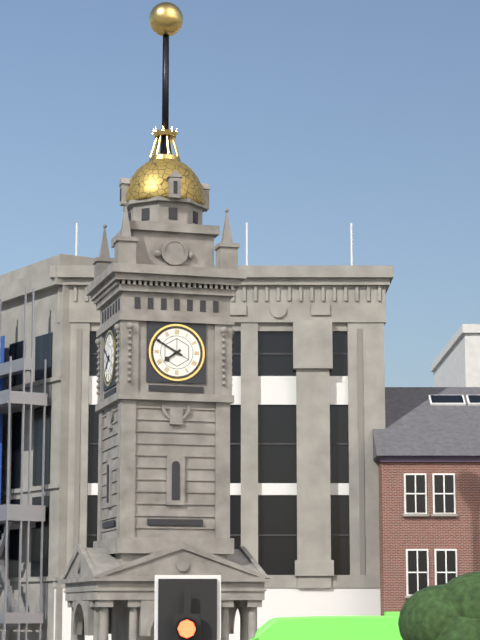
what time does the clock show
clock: 7:50
